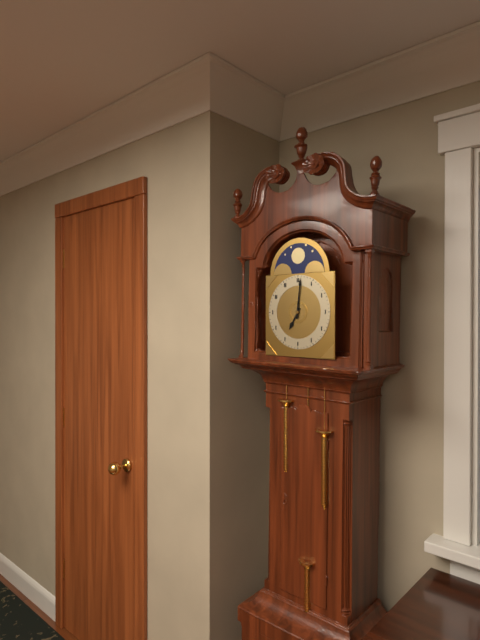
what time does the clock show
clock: 7:01
